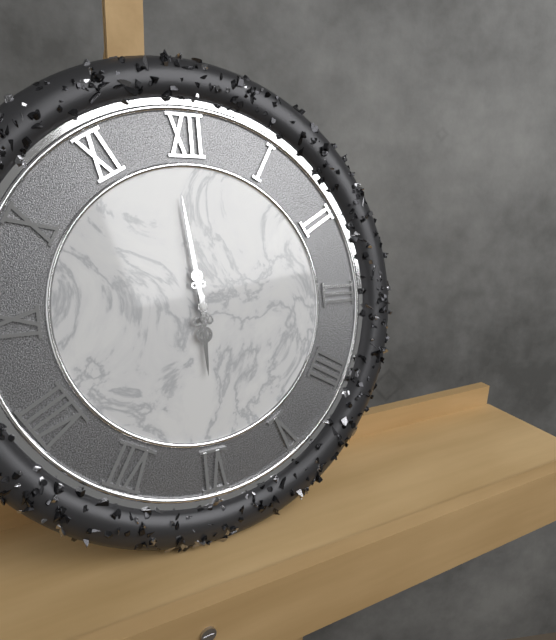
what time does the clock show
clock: 5:59
